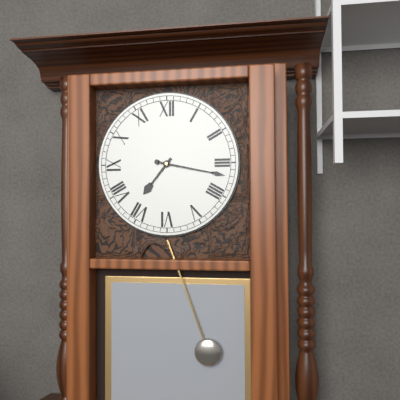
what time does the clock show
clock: 7:17
